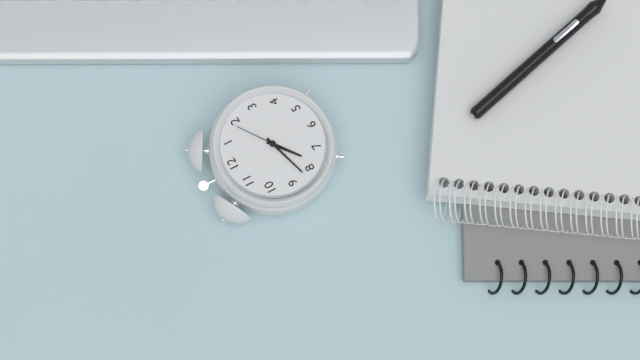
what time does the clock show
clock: 7:42:09
